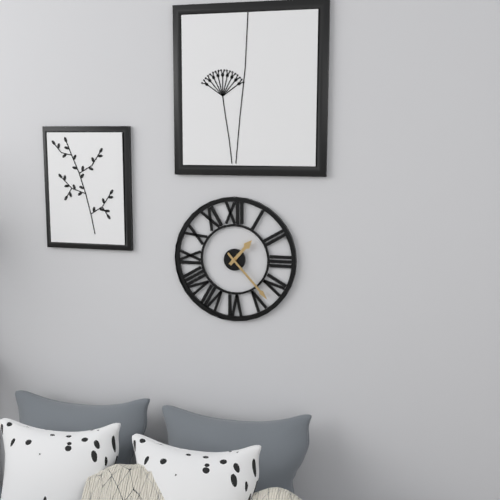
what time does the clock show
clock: 1:23
